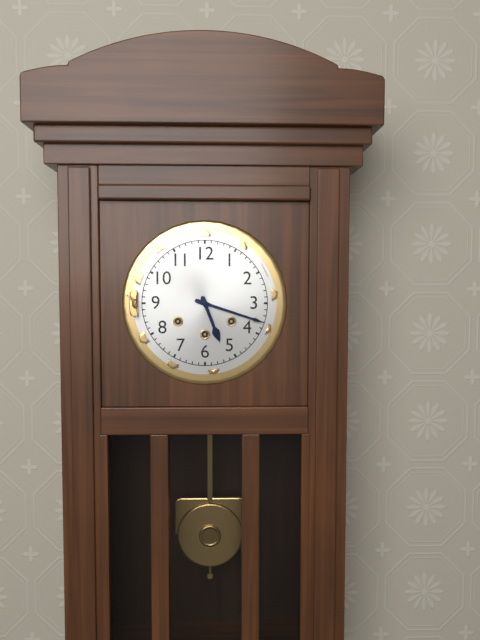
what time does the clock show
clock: 5:18
